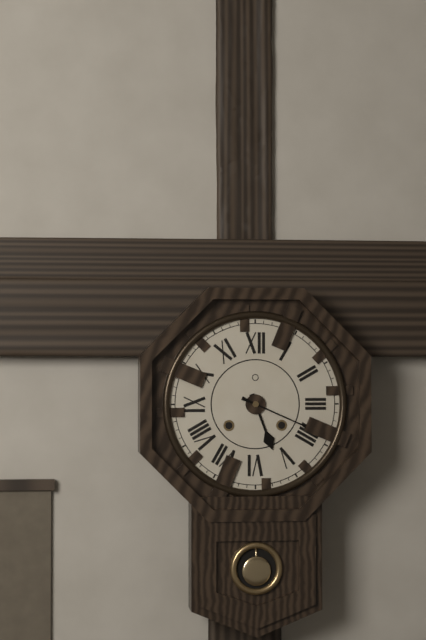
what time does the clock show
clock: 5:19
